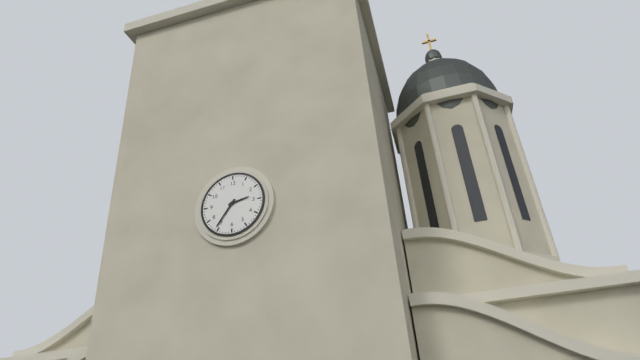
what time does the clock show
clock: 2:36
